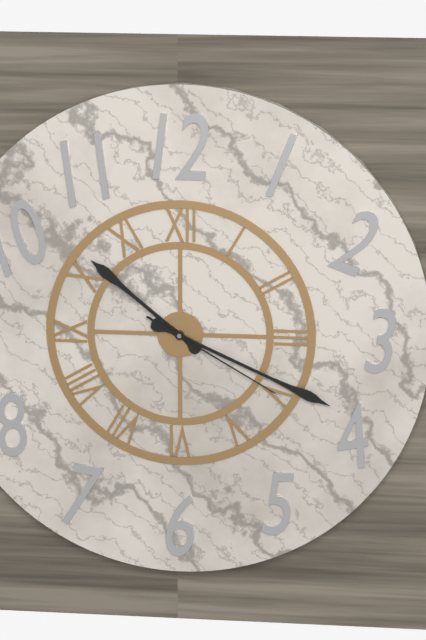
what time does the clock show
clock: 10:19:20
